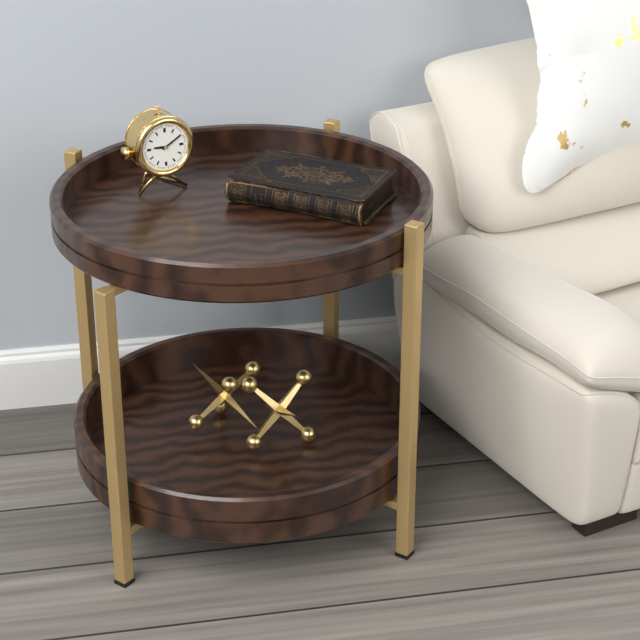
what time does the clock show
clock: 9:10
